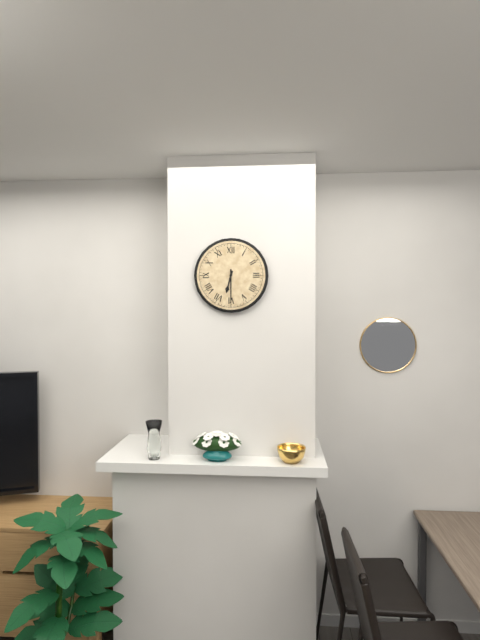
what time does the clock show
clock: 6:30
